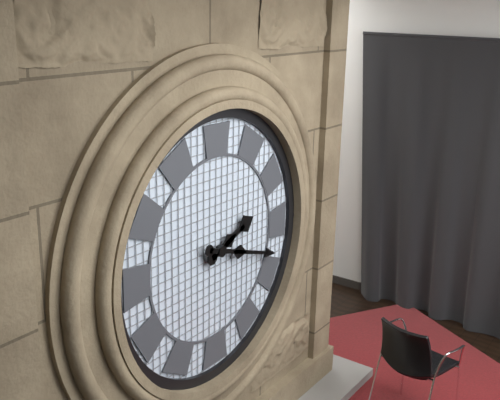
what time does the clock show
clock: 2:18
